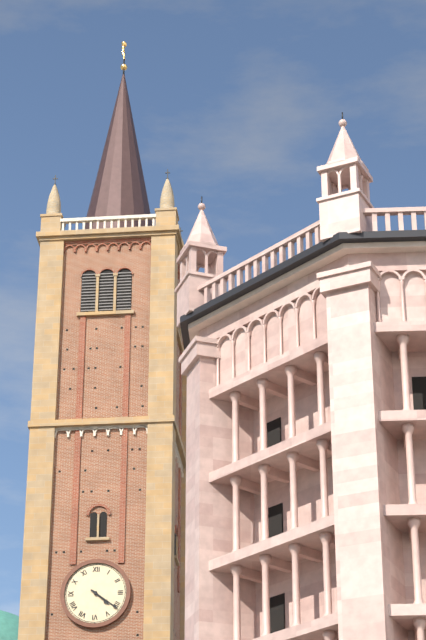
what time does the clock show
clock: 4:21
